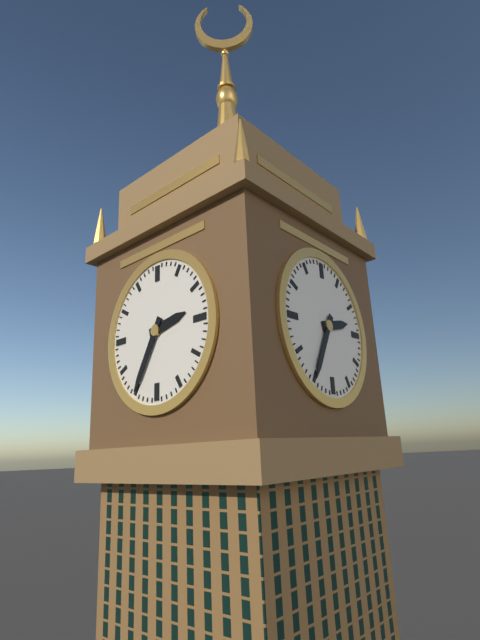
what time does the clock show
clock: 2:35
